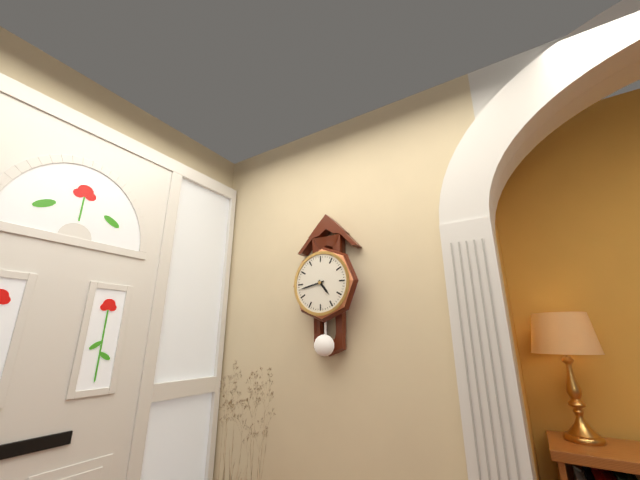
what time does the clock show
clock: 4:43
